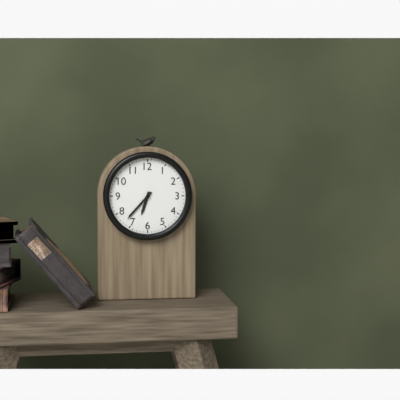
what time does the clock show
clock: 6:37
